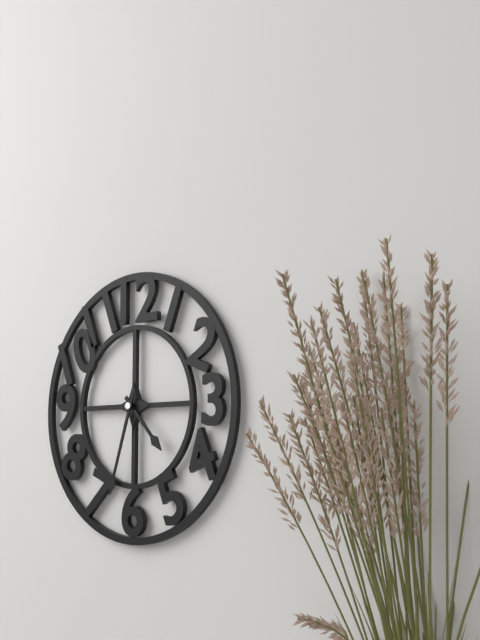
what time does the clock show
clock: 4:33
